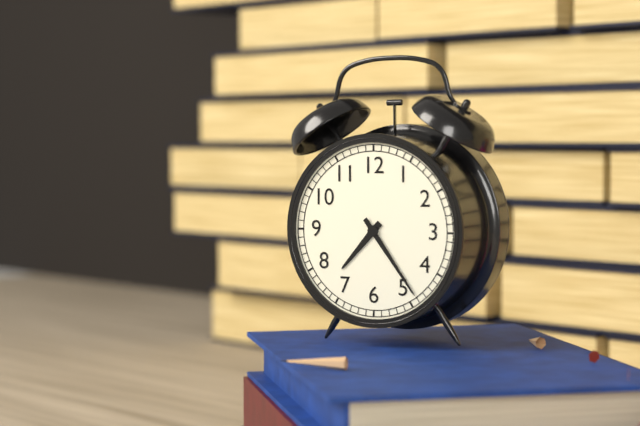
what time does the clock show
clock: 7:24
